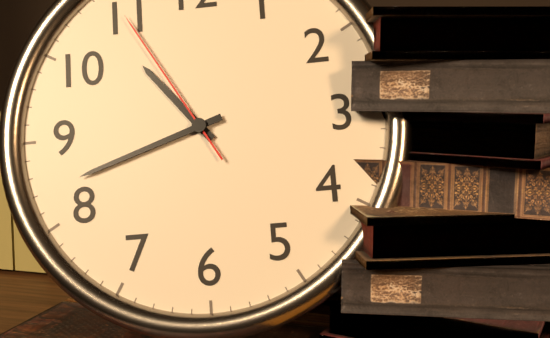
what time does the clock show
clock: 10:42:55
